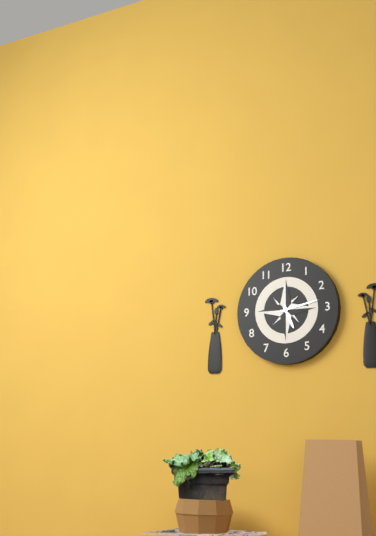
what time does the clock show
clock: 5:13
